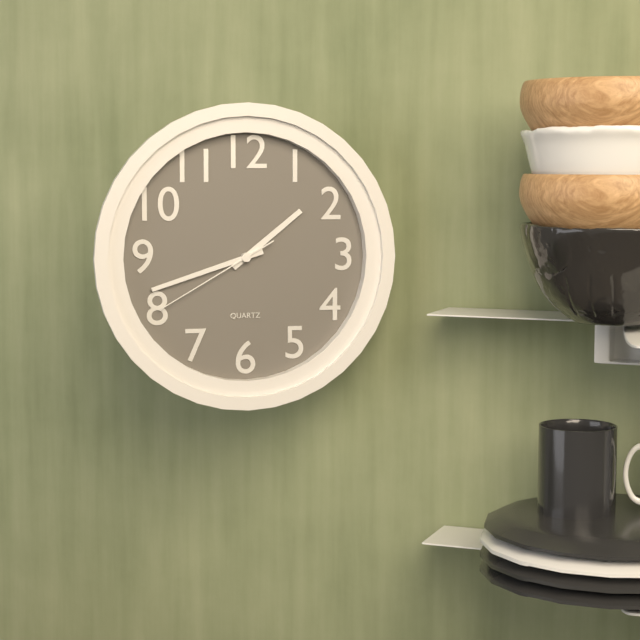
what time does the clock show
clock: 1:42:40
